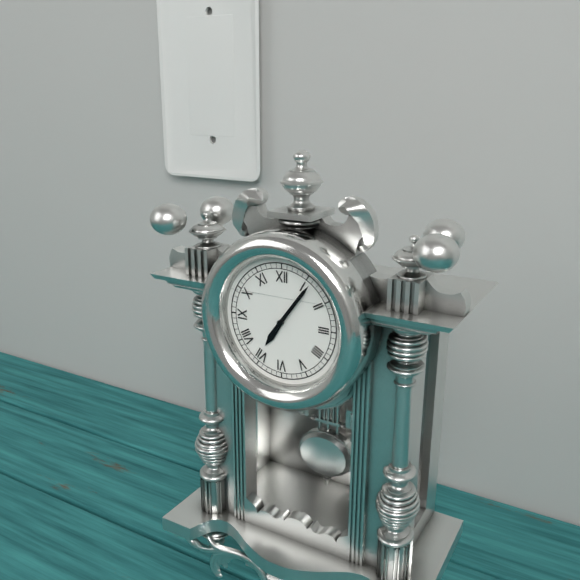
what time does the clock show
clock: 7:06
